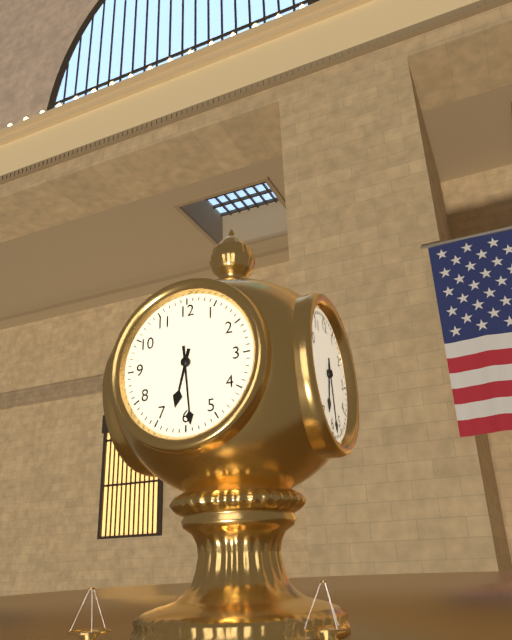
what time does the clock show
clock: 6:29
